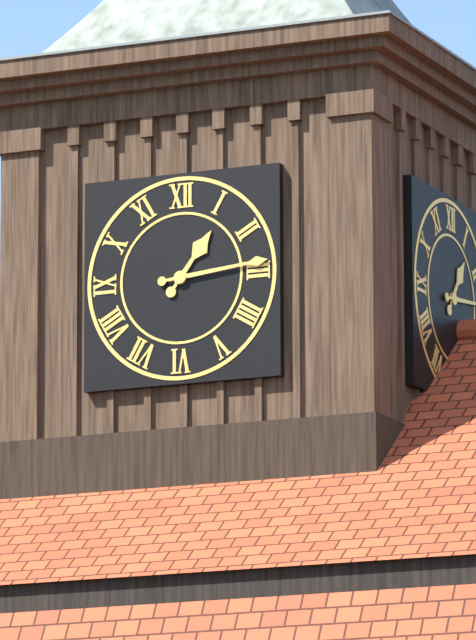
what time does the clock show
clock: 1:14
